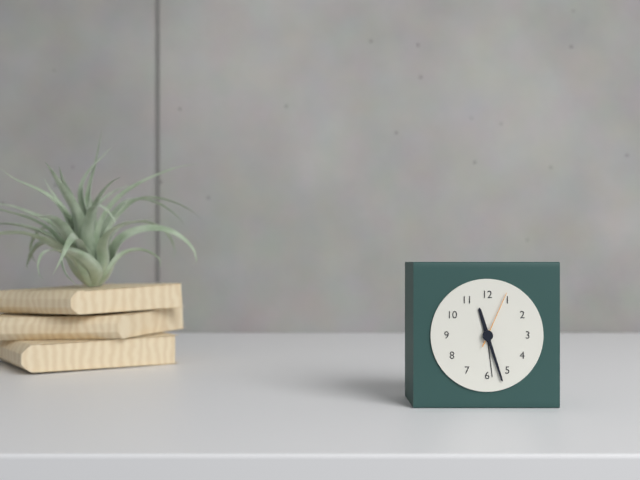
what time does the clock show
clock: 11:27:04
